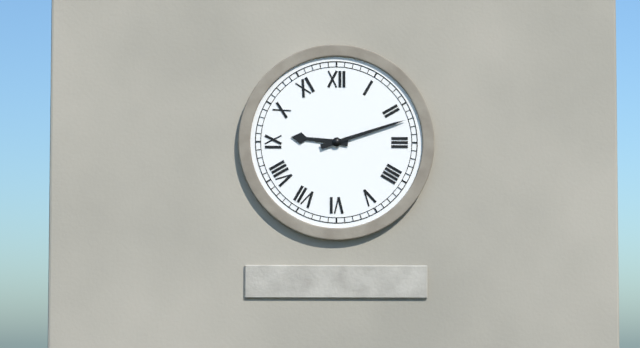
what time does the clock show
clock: 9:12
